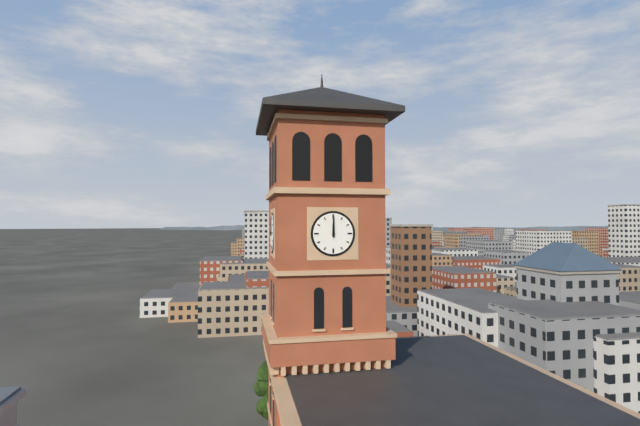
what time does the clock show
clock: 12:00
